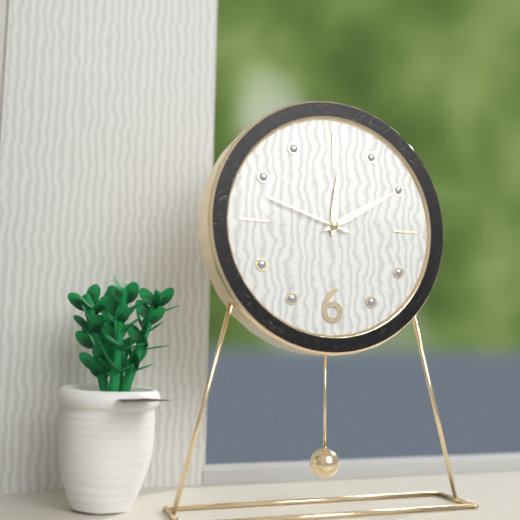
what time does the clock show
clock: 12:10:48
